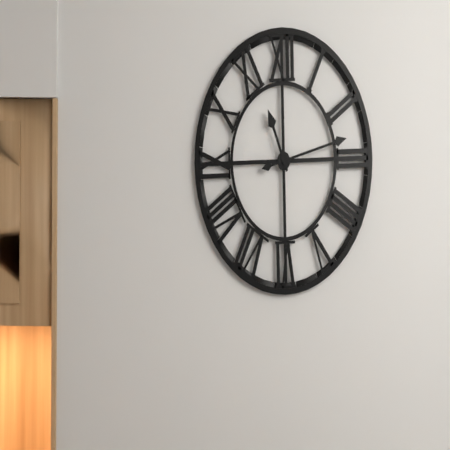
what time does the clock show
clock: 11:13
